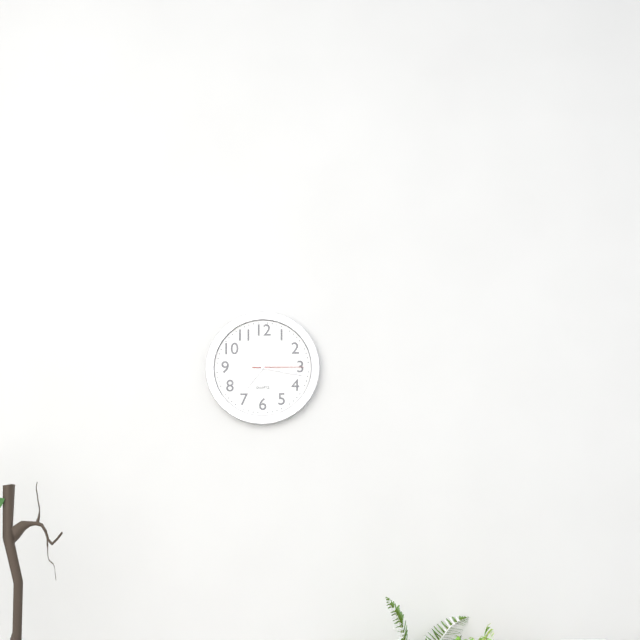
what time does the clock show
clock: 7:17:15
